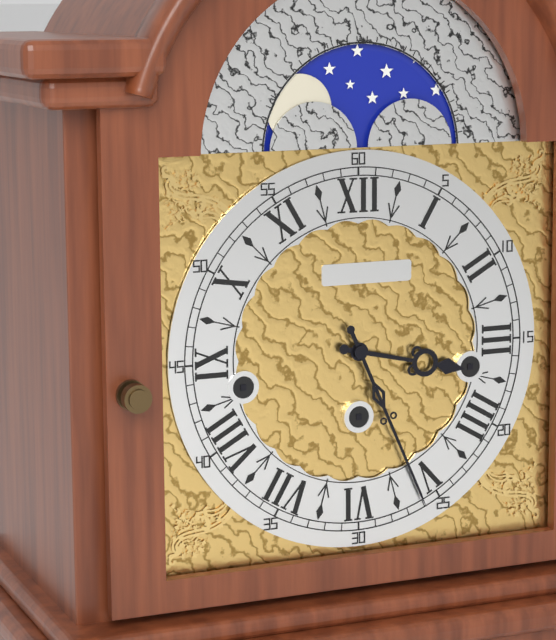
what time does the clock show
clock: 3:26
